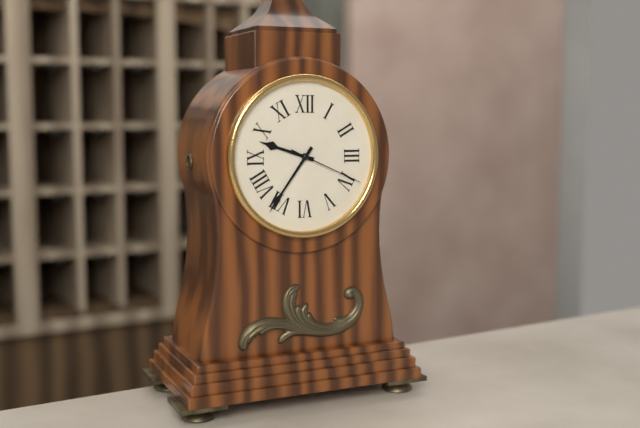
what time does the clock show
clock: 9:36:19
